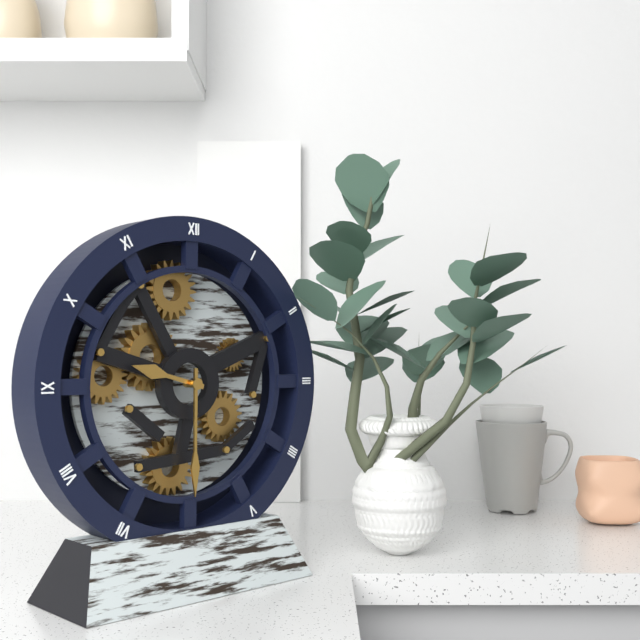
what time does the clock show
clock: 9:30
